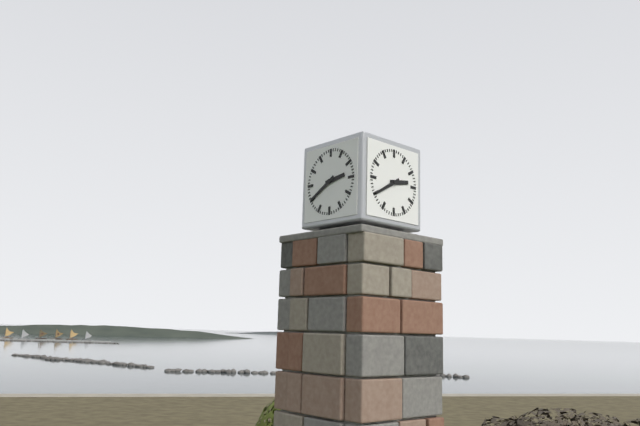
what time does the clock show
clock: 2:40
